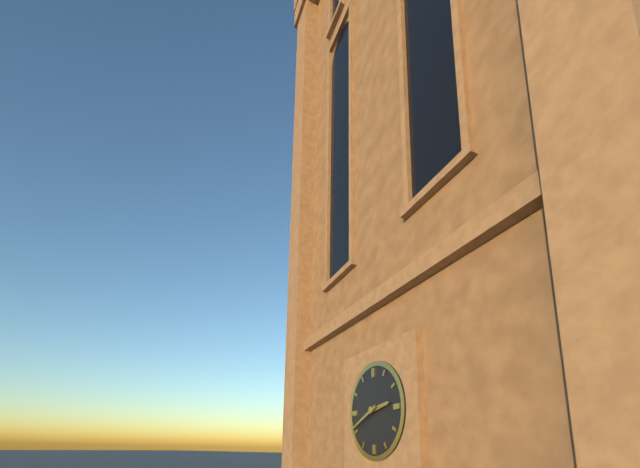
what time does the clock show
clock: 2:41
